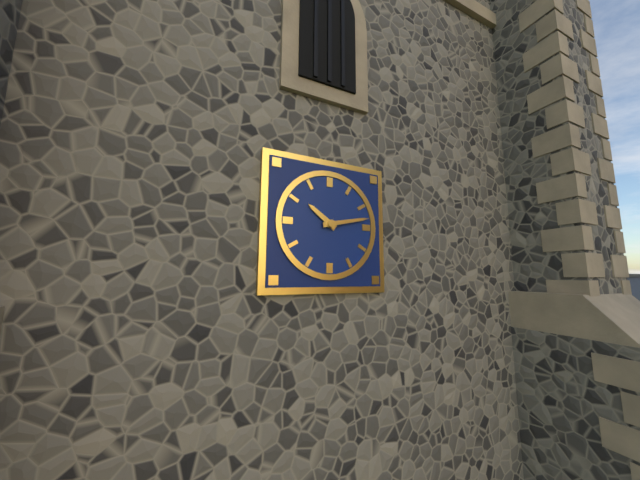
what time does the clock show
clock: 10:13
